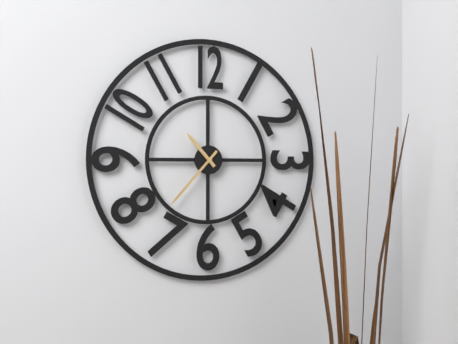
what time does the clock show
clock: 10:37
